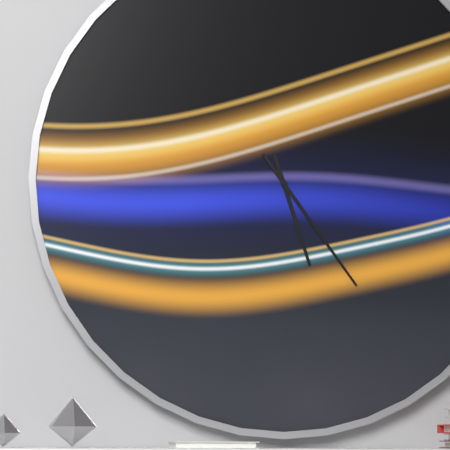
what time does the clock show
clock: 5:24
